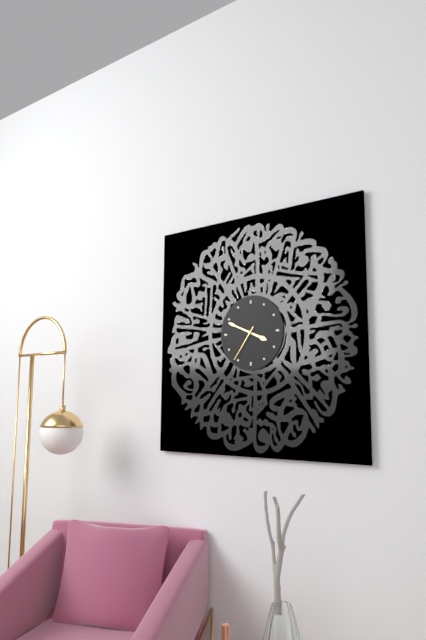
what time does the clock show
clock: 3:49
